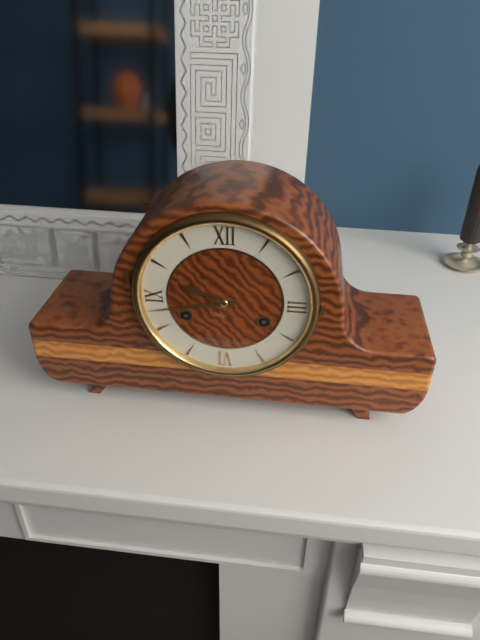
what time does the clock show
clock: 9:43
